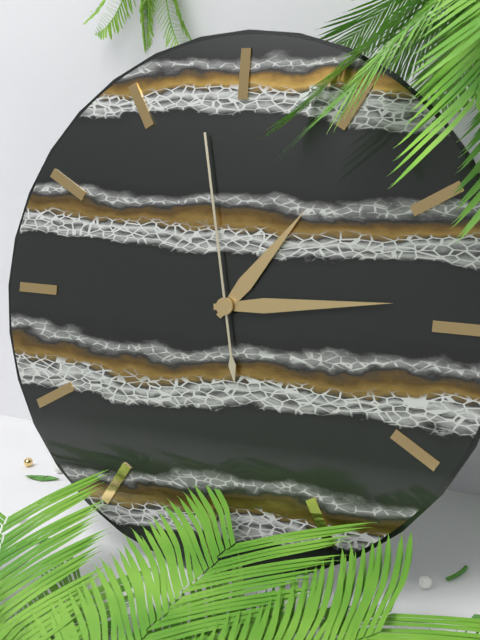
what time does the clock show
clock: 1:14:58
